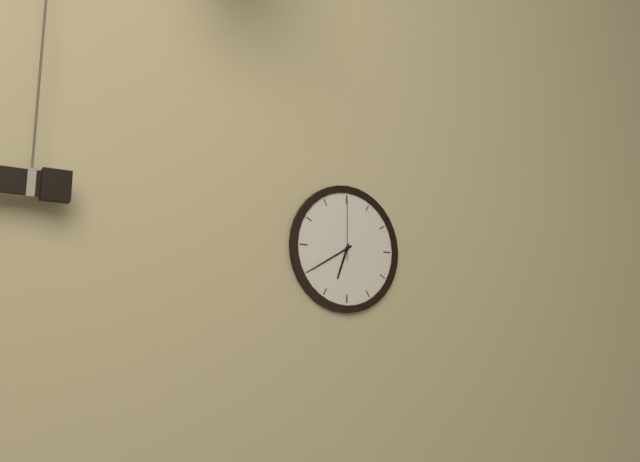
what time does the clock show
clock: 6:40:00
